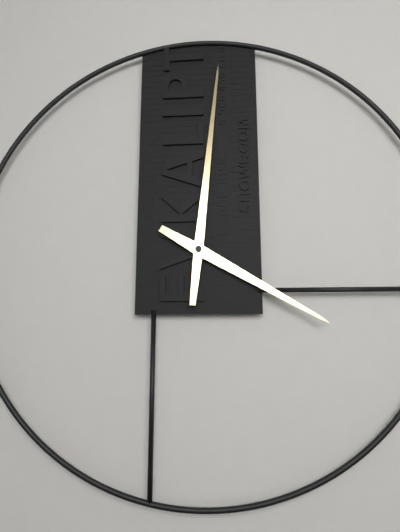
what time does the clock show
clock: 4:01
